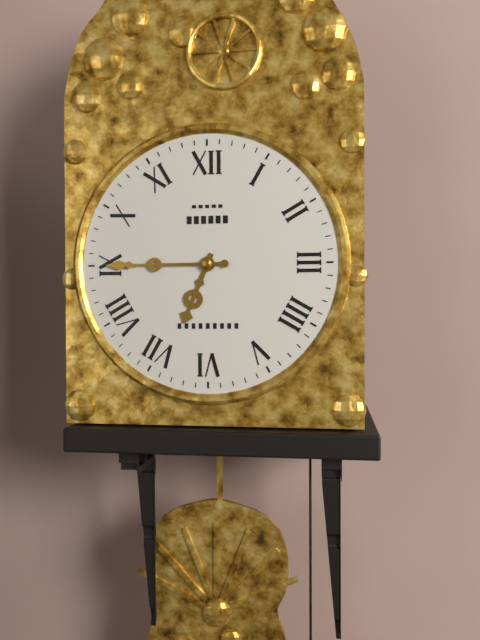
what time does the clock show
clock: 6:45
